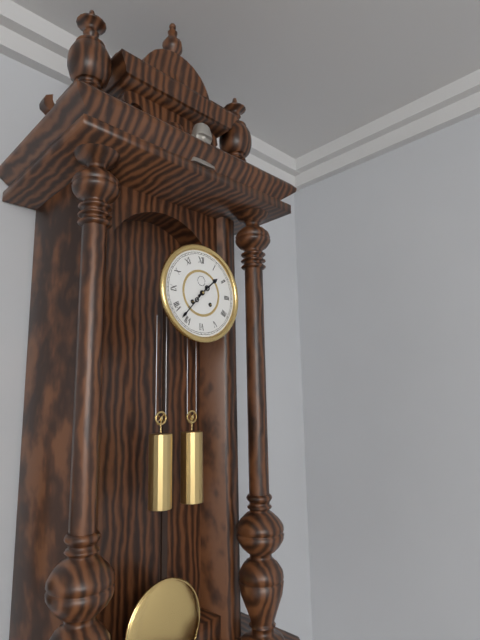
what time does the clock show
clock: 1:37
